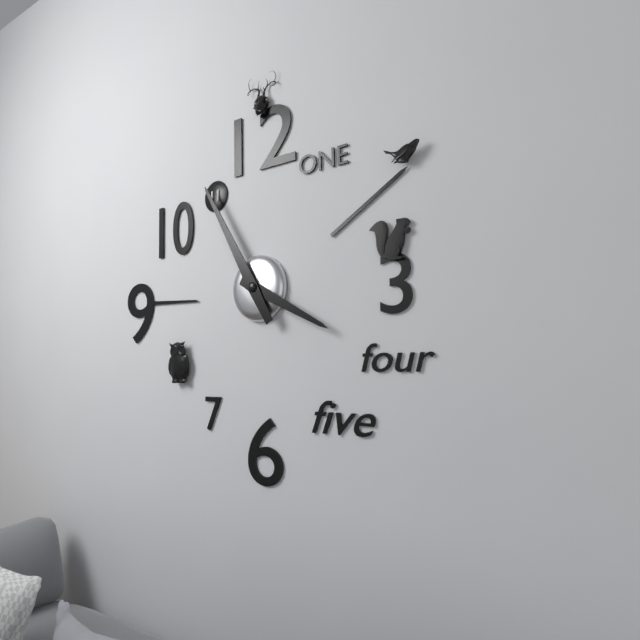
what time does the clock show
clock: 3:55
